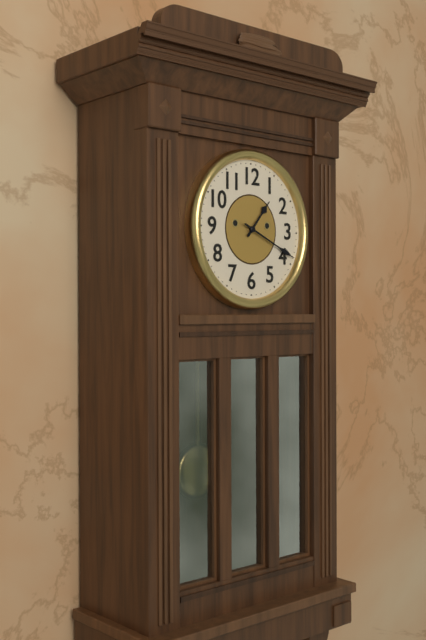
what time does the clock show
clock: 1:19
